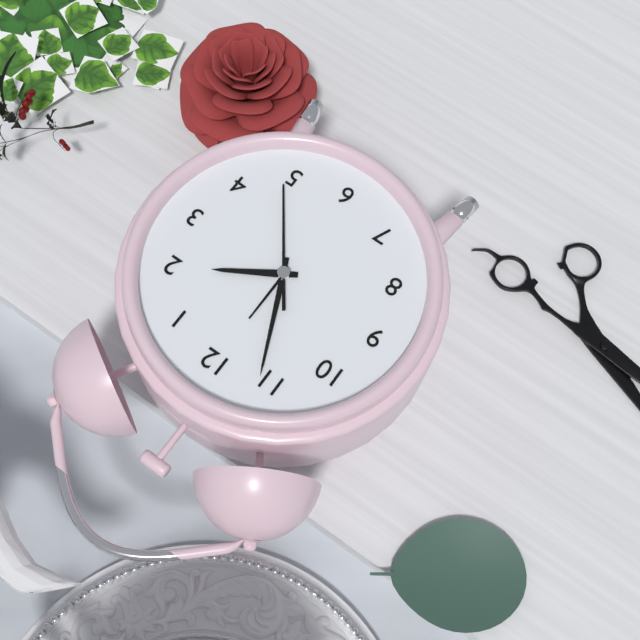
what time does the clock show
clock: 1:56:24
